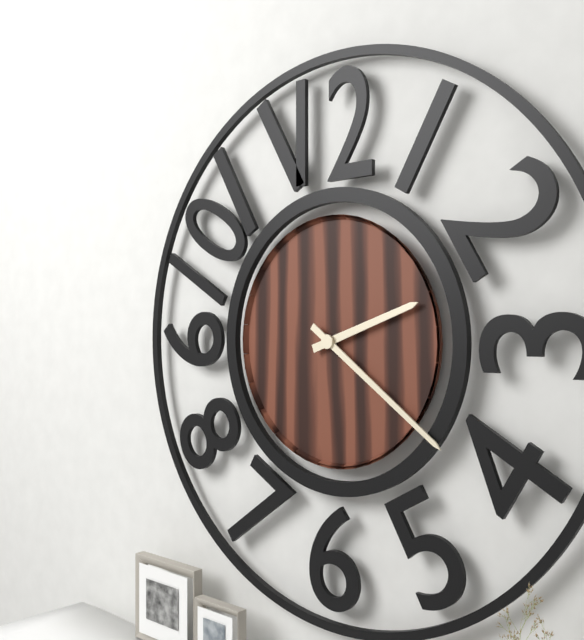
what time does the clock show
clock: 2:21
